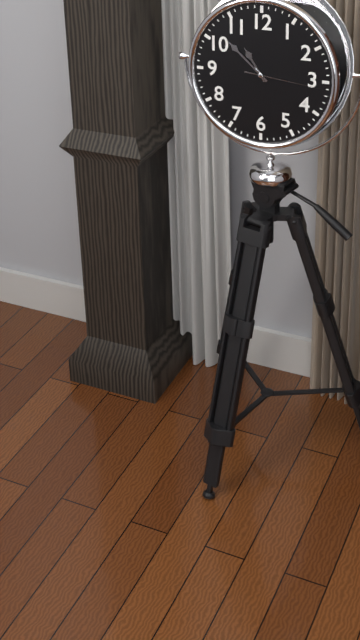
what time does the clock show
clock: 10:52:16
